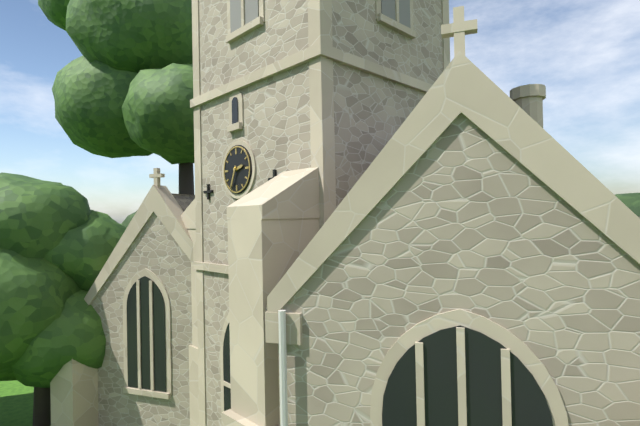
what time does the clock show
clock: 2:34
